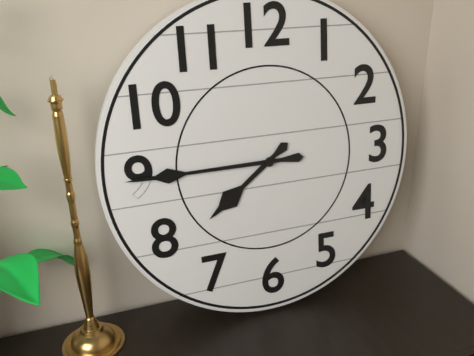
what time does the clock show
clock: 7:45
